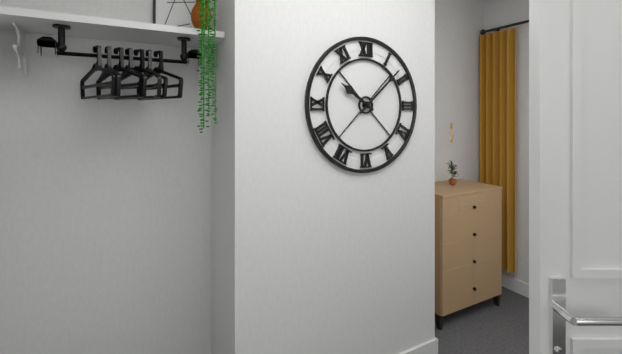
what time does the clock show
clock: 10:08
